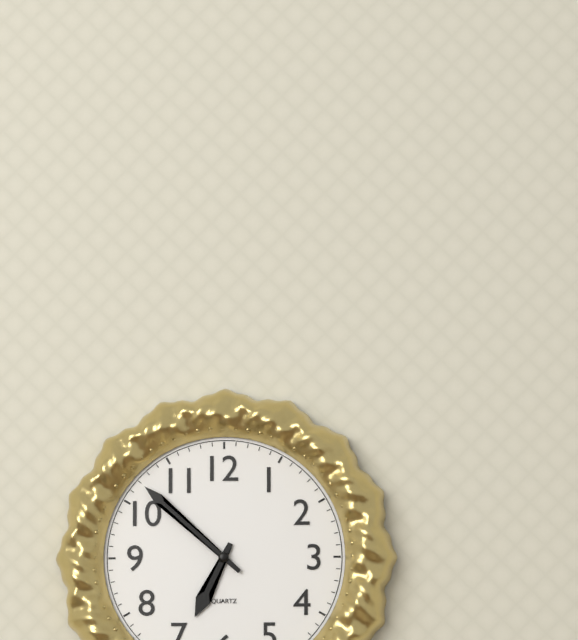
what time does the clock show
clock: 6:52
